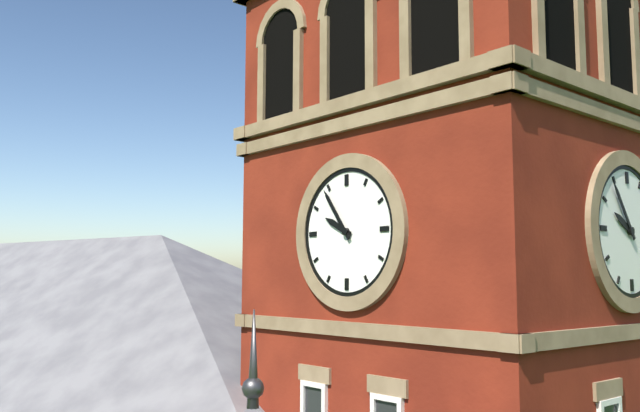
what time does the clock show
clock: 9:54
